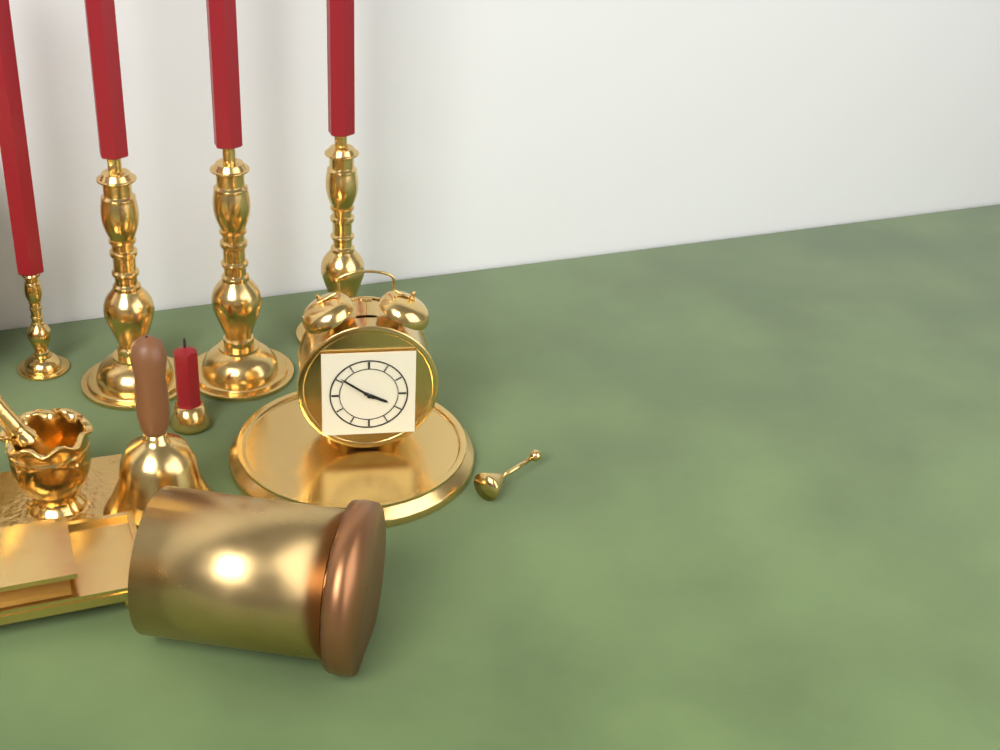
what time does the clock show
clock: 3:51
